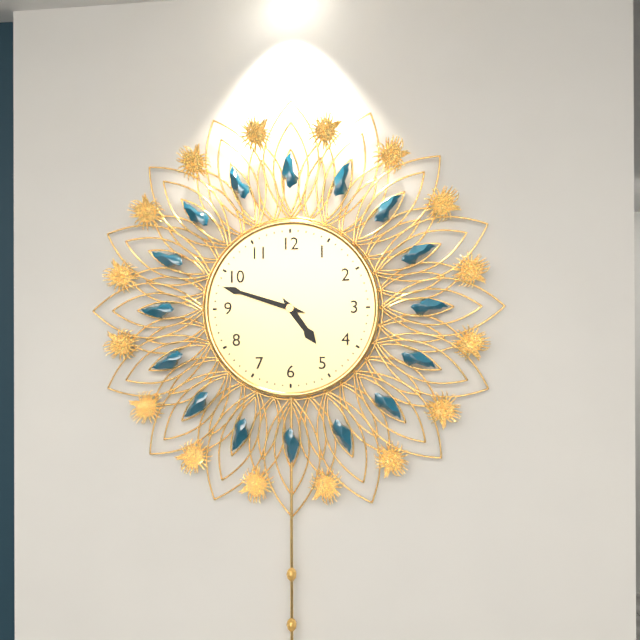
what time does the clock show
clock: 4:48
